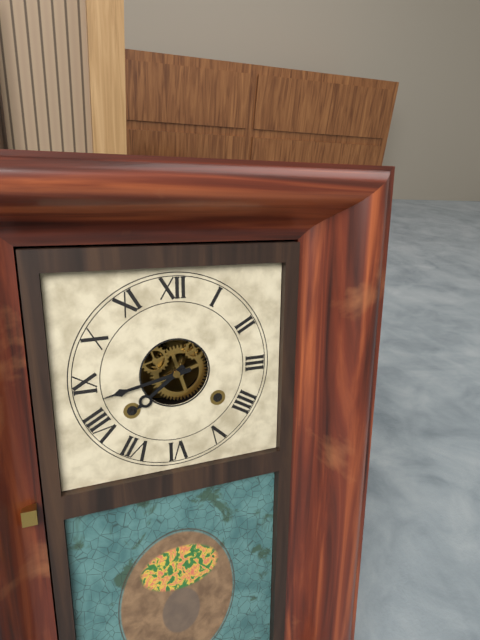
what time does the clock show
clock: 7:43
